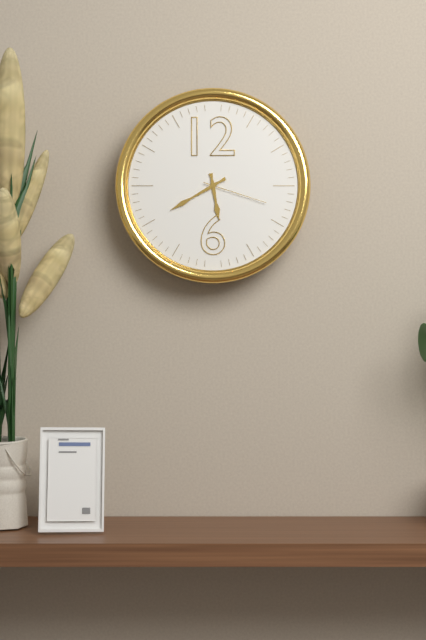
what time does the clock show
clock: 5:40:18
